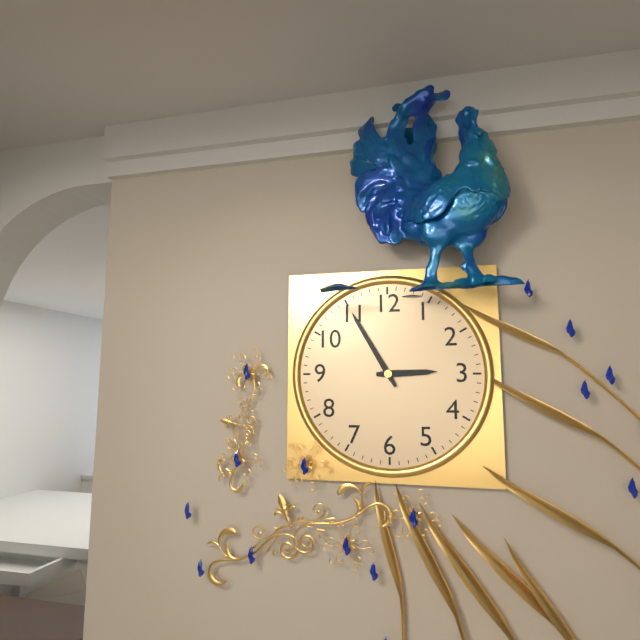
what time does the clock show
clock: 2:55
